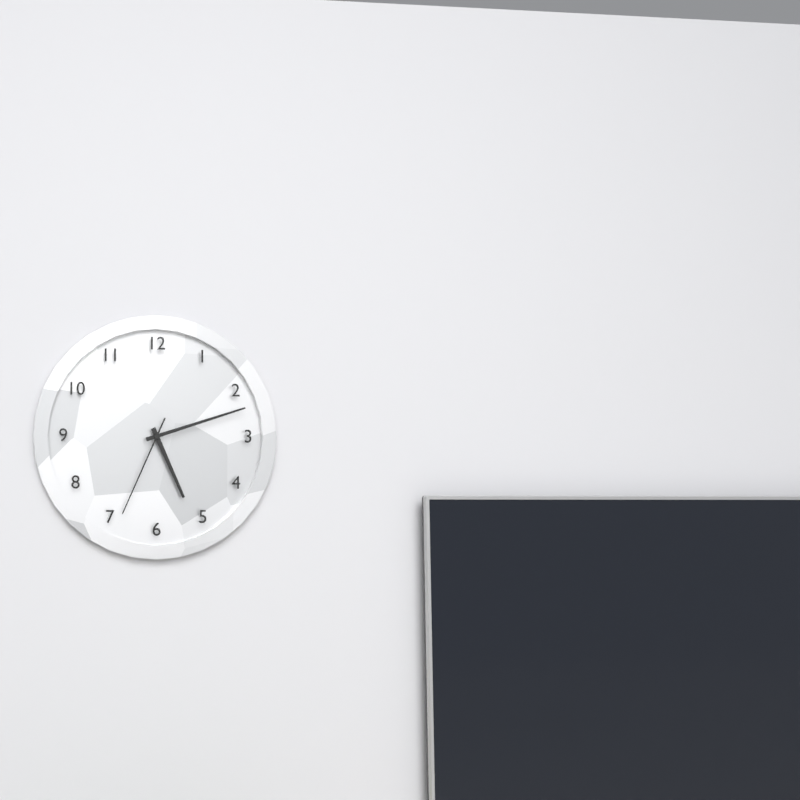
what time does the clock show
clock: 5:12:34
